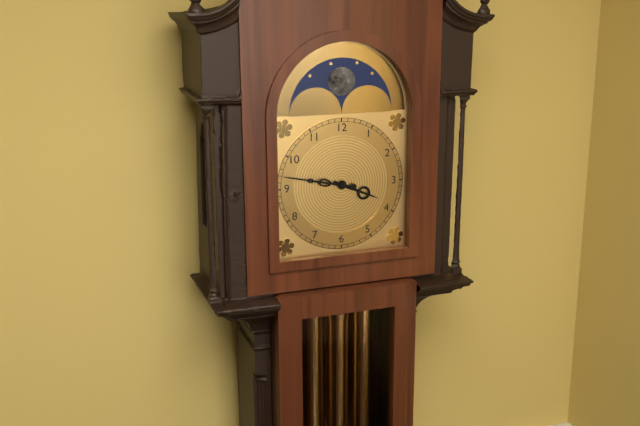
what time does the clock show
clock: 3:47
